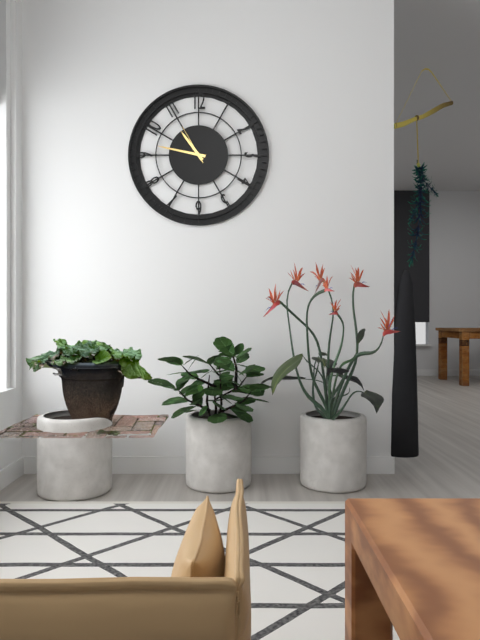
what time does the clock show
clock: 10:47
